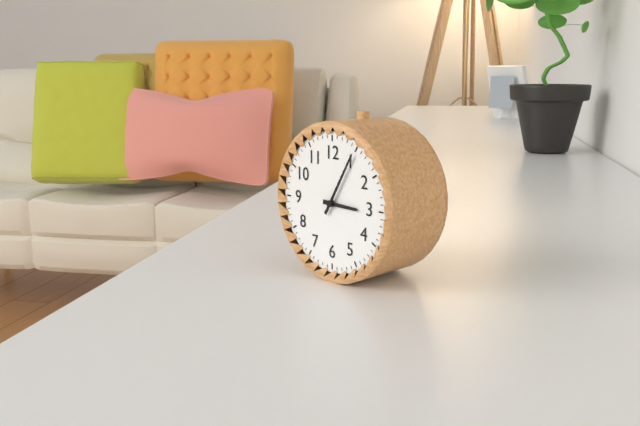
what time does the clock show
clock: 3:05
